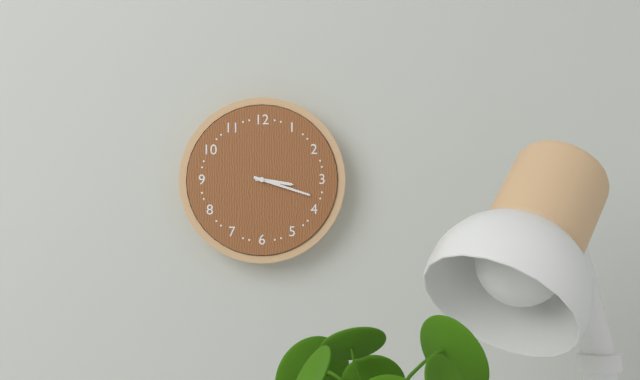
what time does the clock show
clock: 3:18
